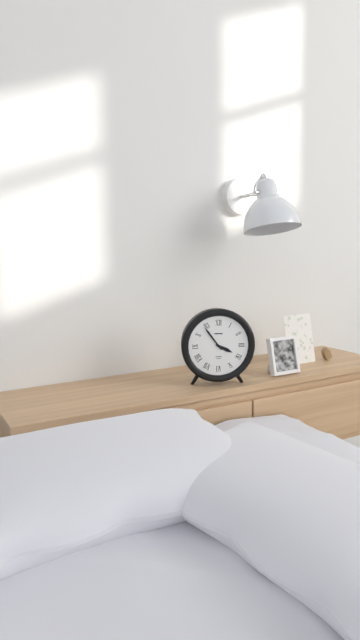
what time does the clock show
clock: 3:54
